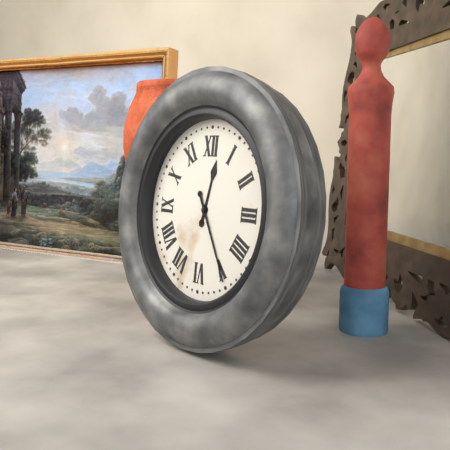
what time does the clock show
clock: 12:25
